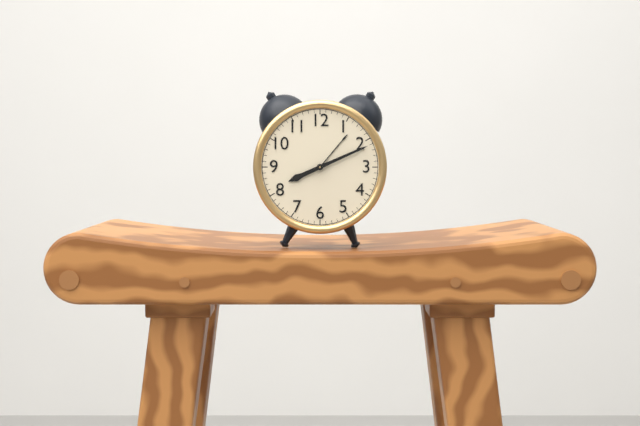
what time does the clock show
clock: 8:11
